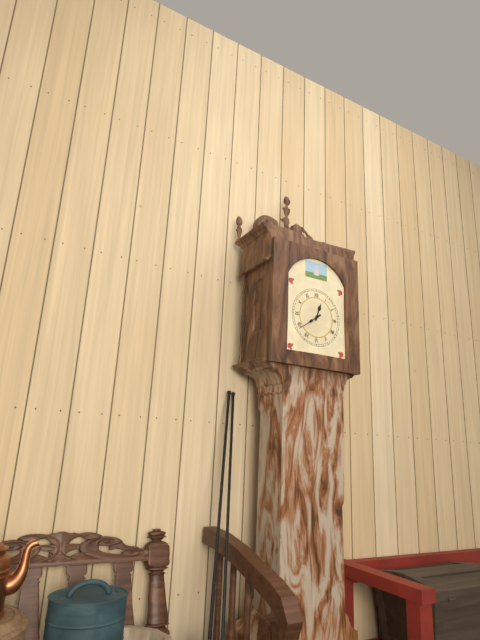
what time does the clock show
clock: 12:39
